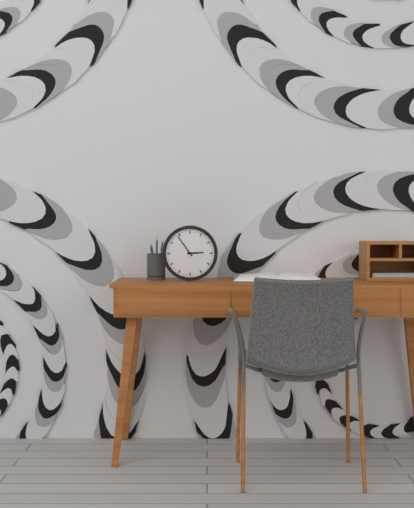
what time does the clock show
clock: 2:54
